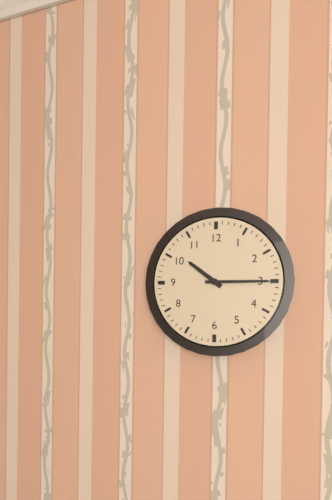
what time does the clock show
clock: 10:15
